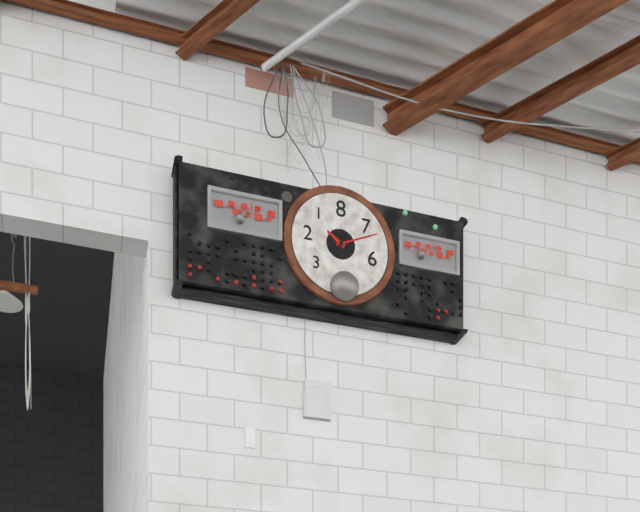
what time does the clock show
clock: 10:11
